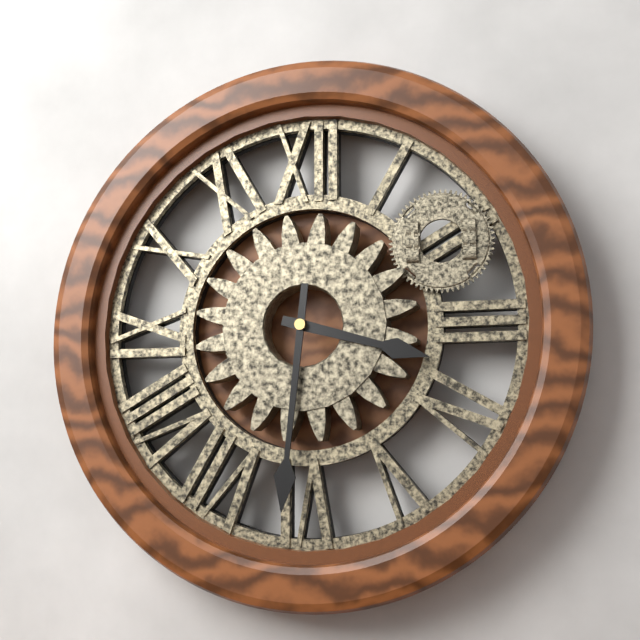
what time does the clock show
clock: 3:31
